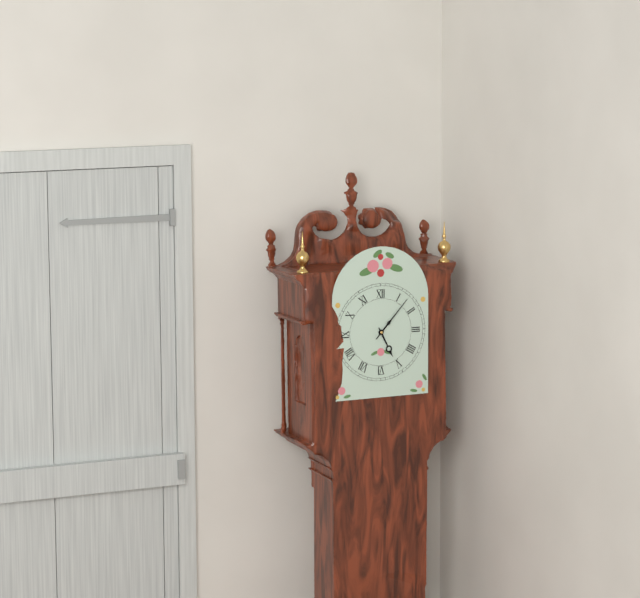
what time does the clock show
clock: 5:07
